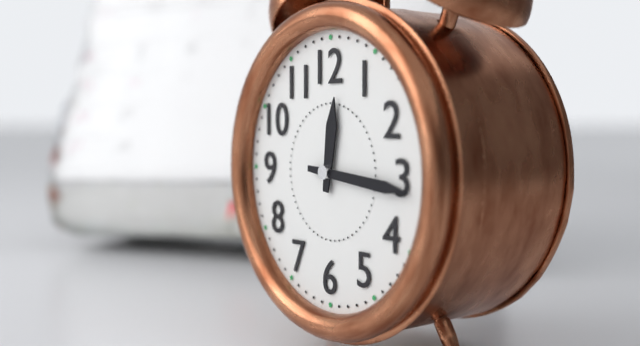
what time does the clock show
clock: 12:16
